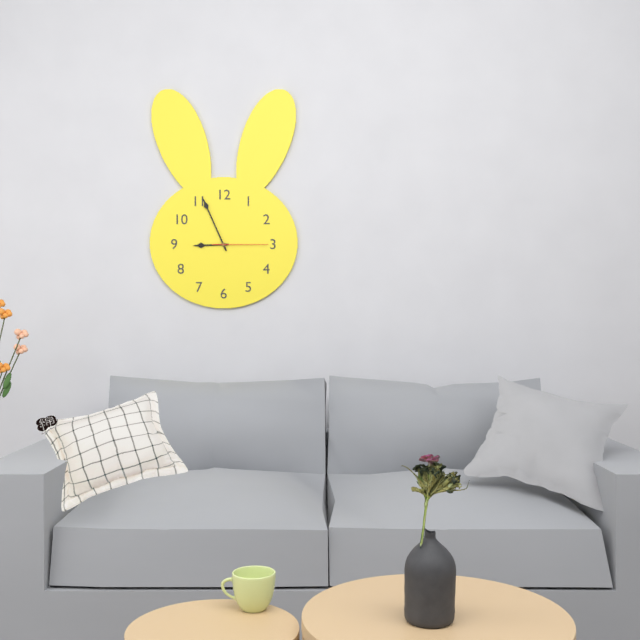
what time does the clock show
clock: 8:56:15
